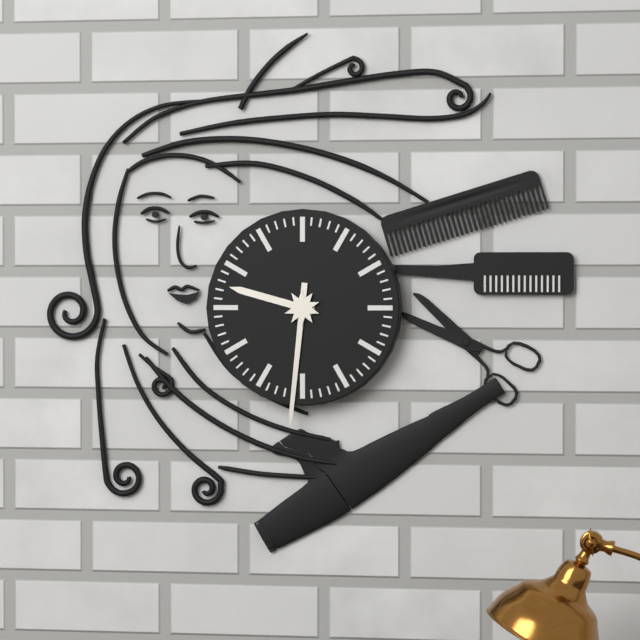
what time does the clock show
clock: 9:31
